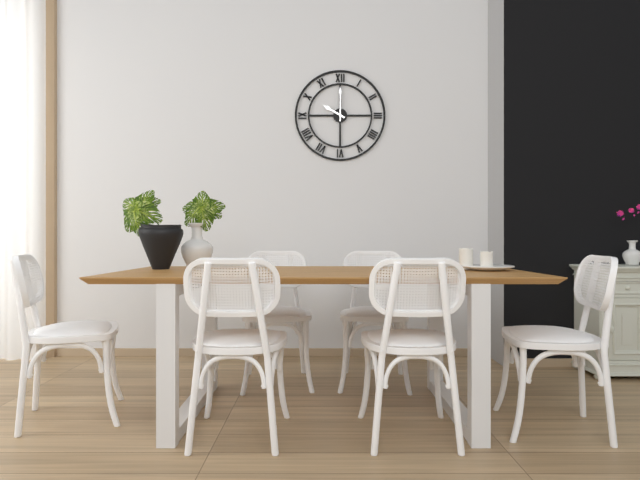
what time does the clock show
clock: 10:00
